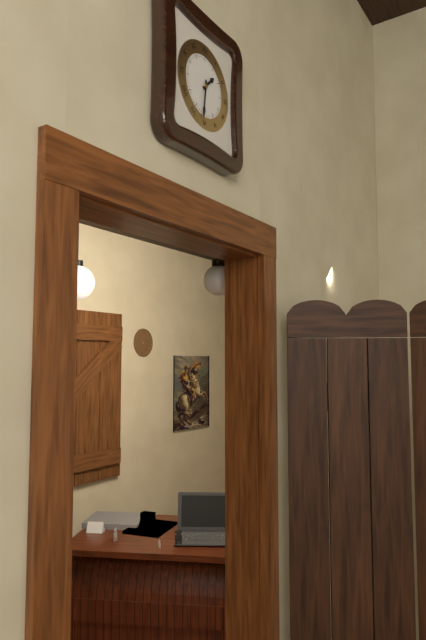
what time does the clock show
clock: 1:31
